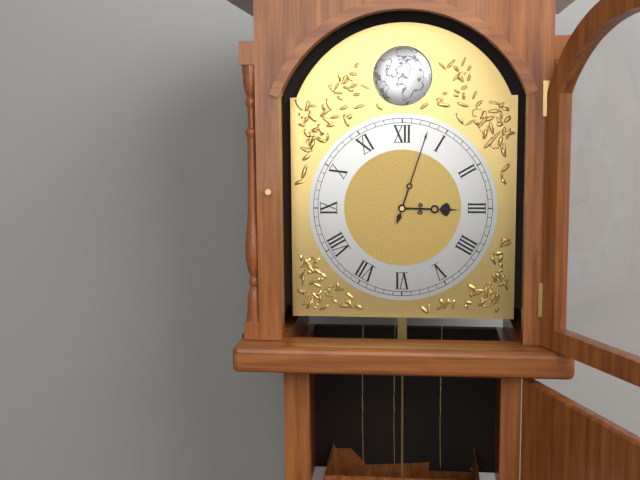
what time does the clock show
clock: 3:03
